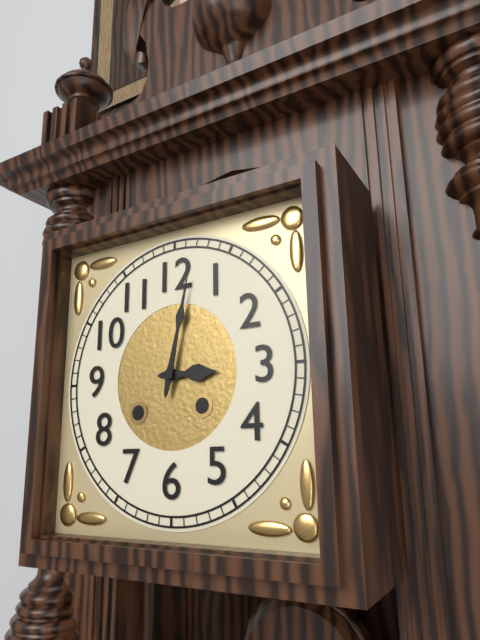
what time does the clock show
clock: 3:02
